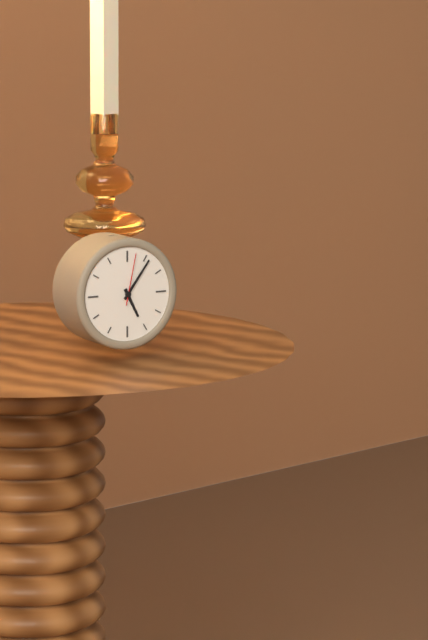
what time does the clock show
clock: 5:06:02
